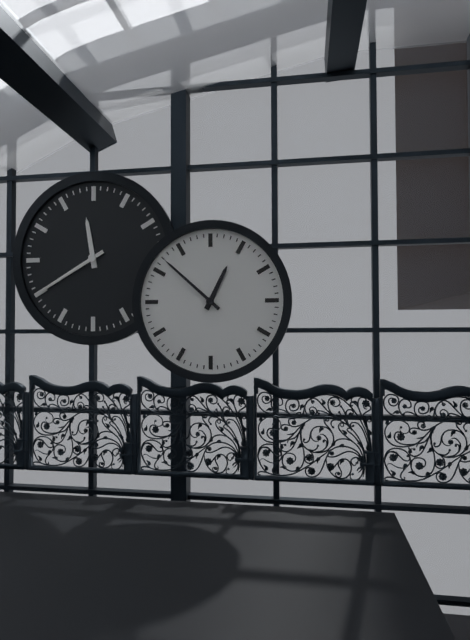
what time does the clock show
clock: 12:52
